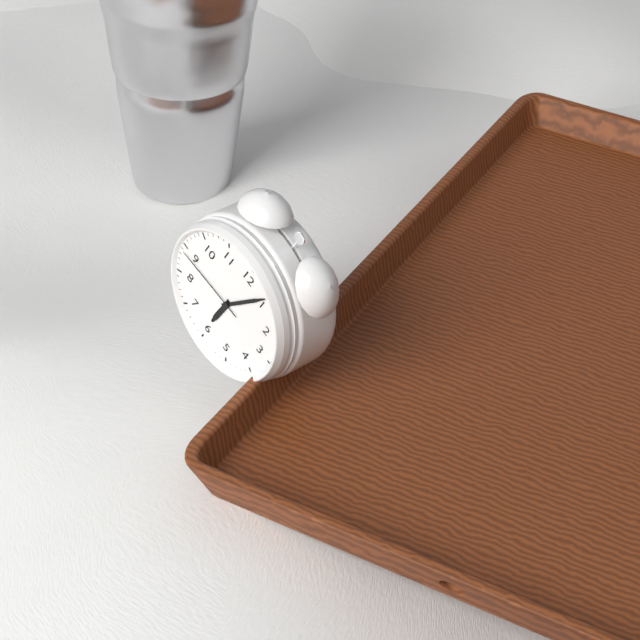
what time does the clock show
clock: 6:04:44
